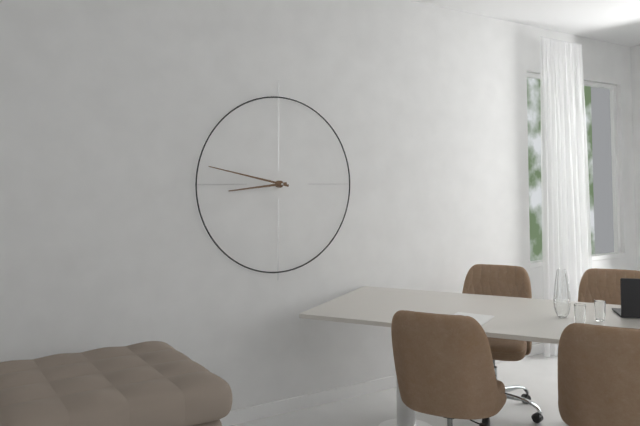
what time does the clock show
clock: 8:47
